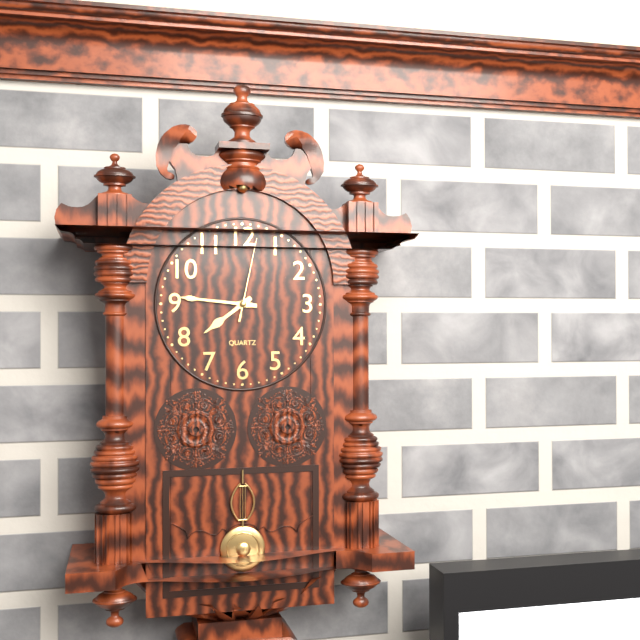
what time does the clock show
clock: 7:46:02
